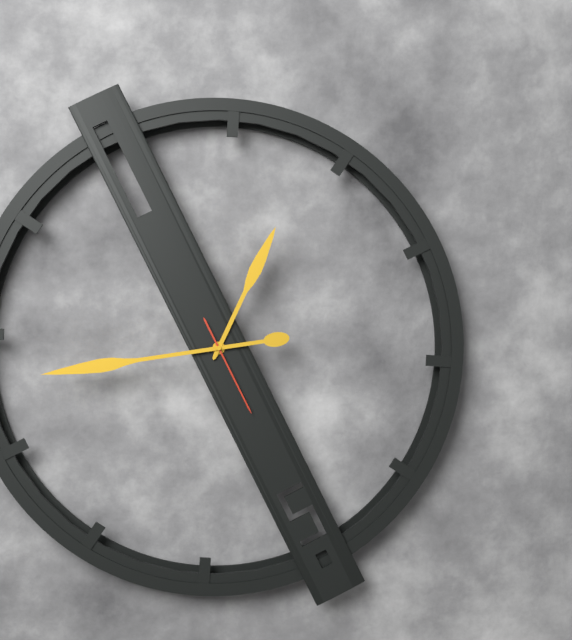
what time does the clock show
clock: 12:43:25
